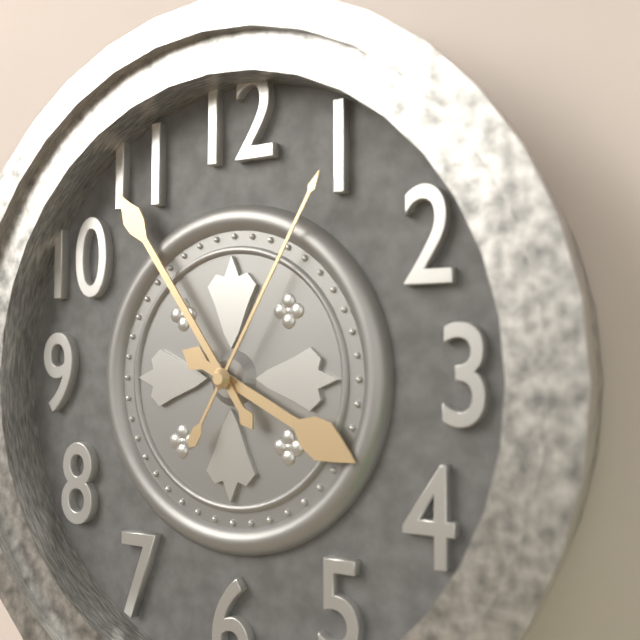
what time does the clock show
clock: 3:54:05
